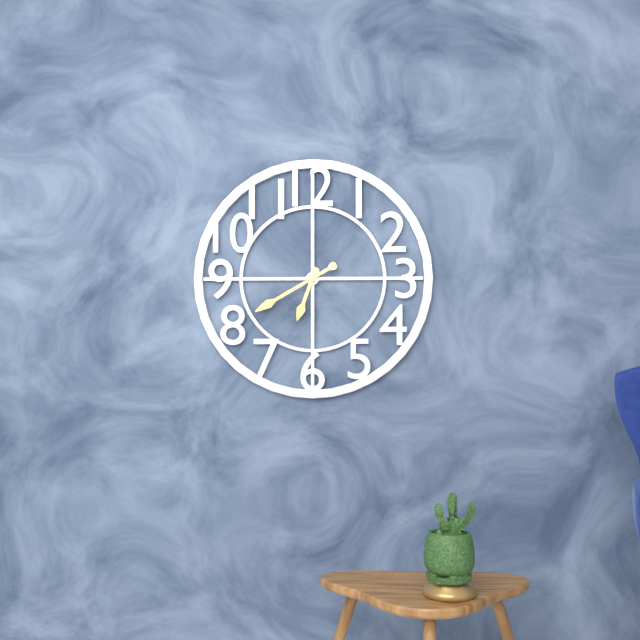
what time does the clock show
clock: 6:40
